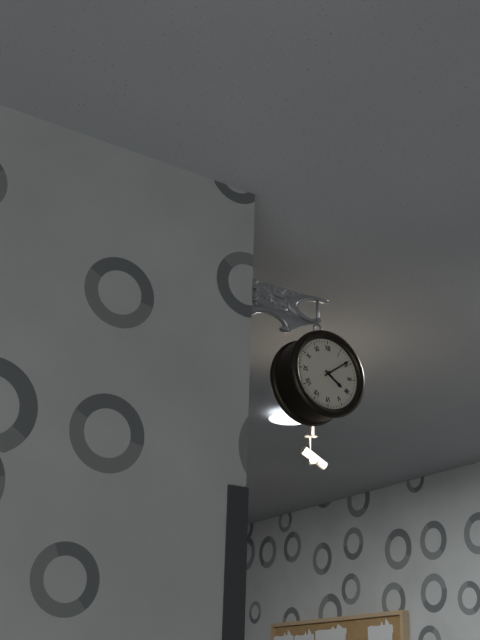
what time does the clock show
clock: 4:09
